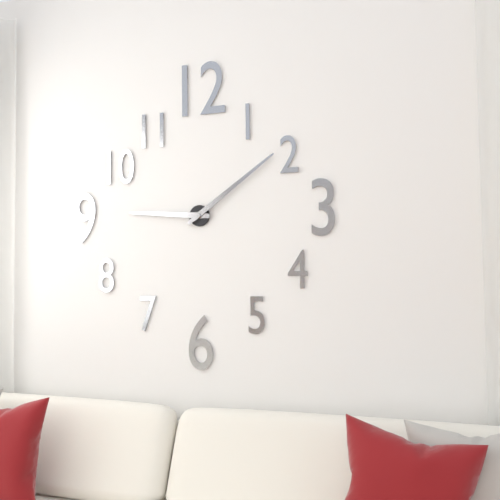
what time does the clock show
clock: 9:09
